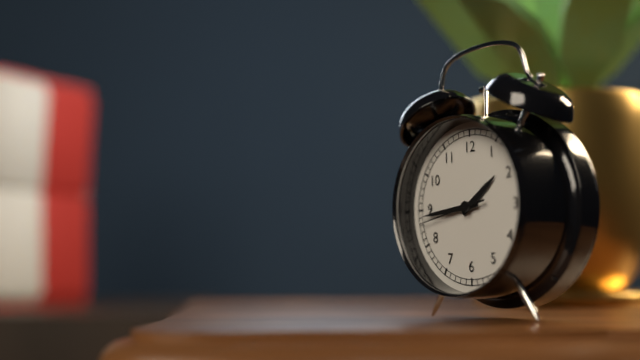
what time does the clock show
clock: 1:44:43
